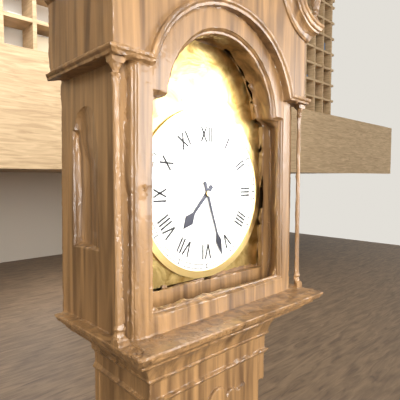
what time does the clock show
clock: 7:27
